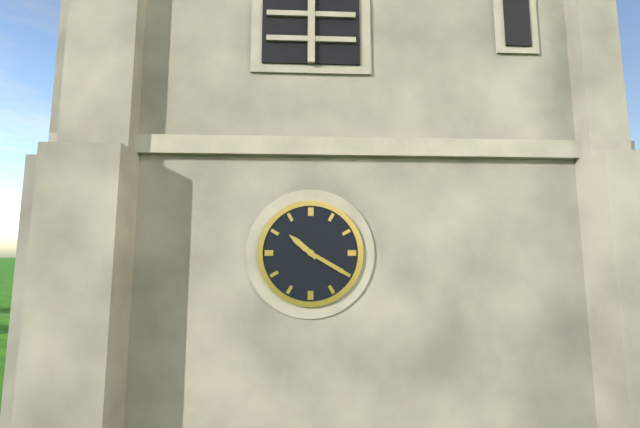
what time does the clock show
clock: 10:20
